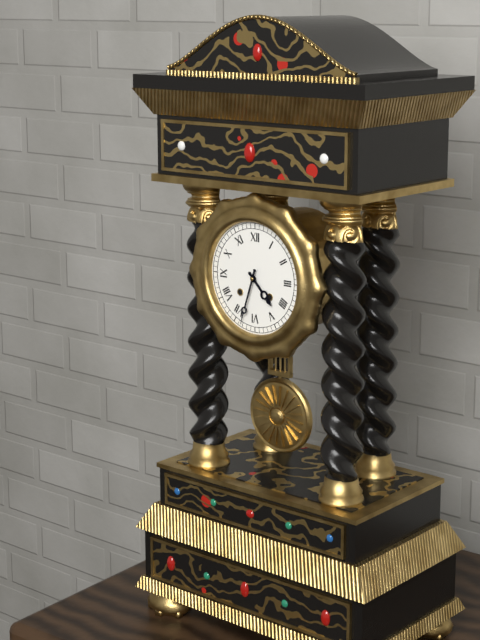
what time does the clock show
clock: 4:33
